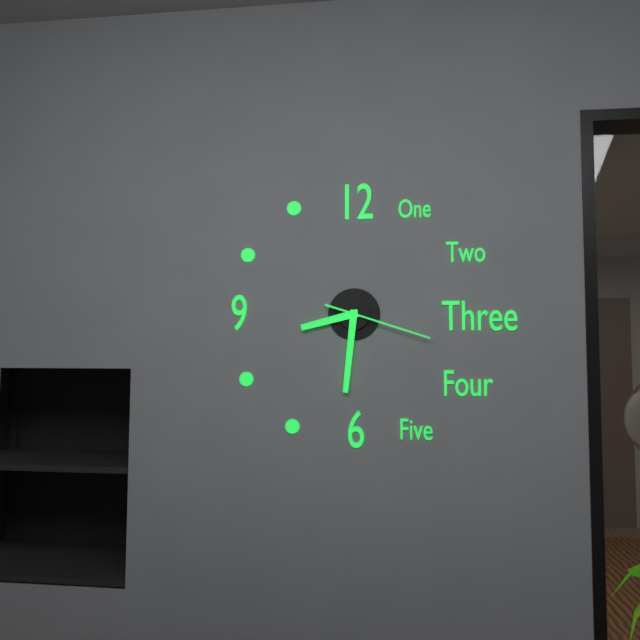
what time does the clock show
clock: 8:31:18
